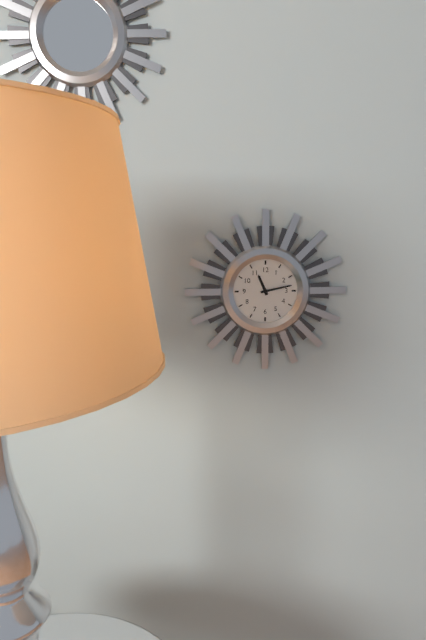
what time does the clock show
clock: 11:13
